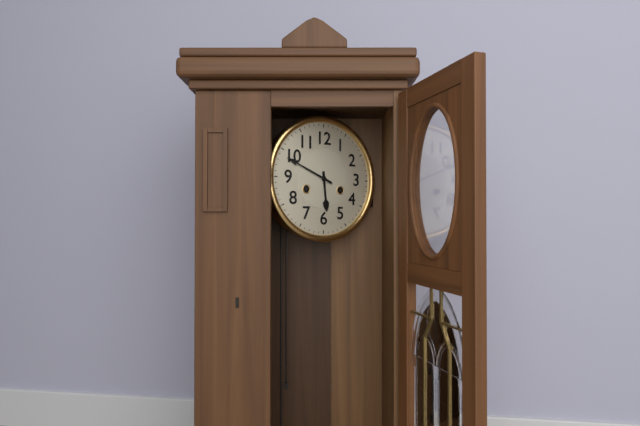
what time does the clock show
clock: 5:49
